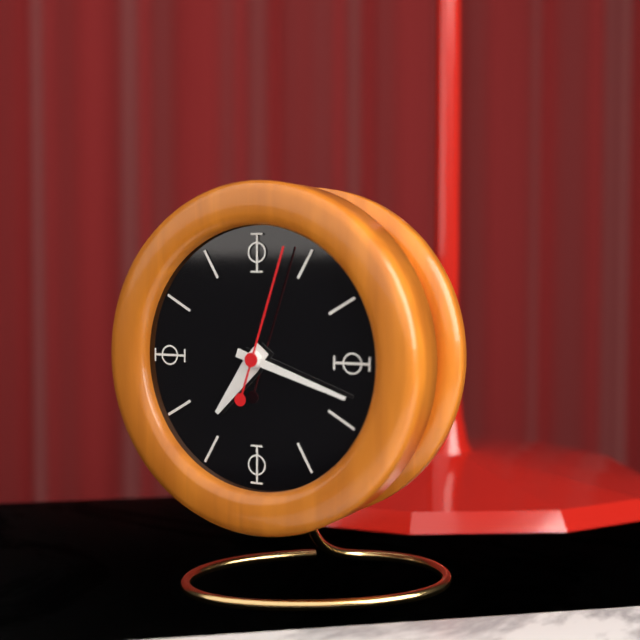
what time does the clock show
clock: 7:18:03
